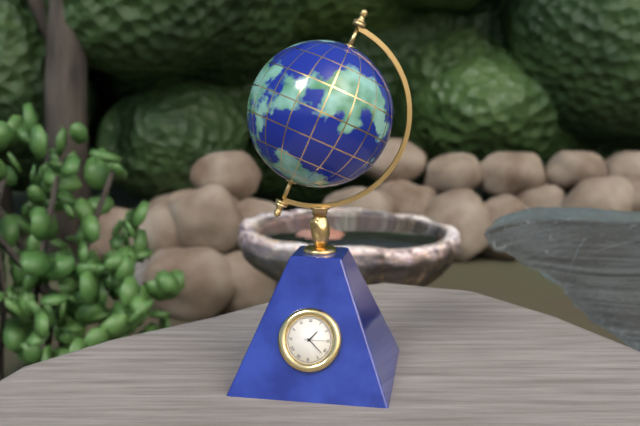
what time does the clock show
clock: 1:22
